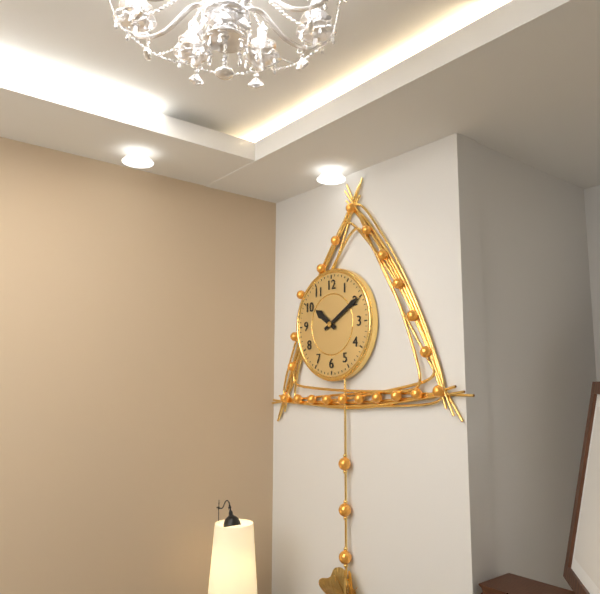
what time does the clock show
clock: 10:10
